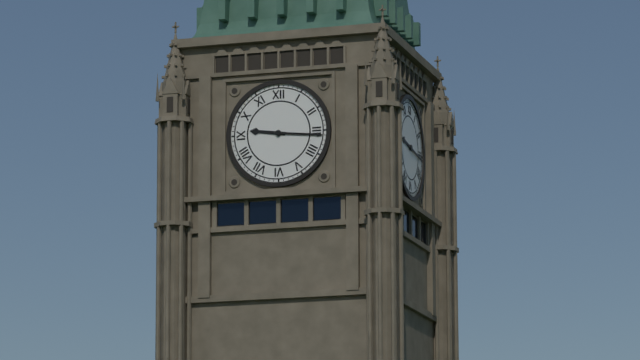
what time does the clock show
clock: 9:16
